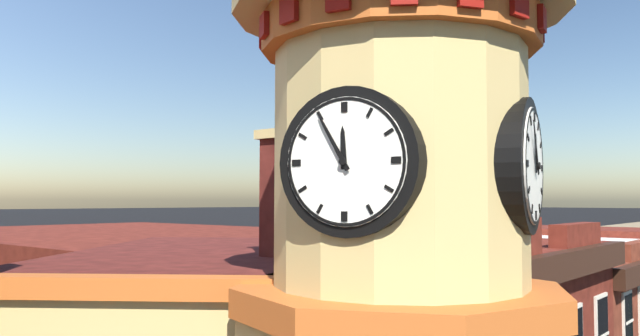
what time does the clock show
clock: 11:55
